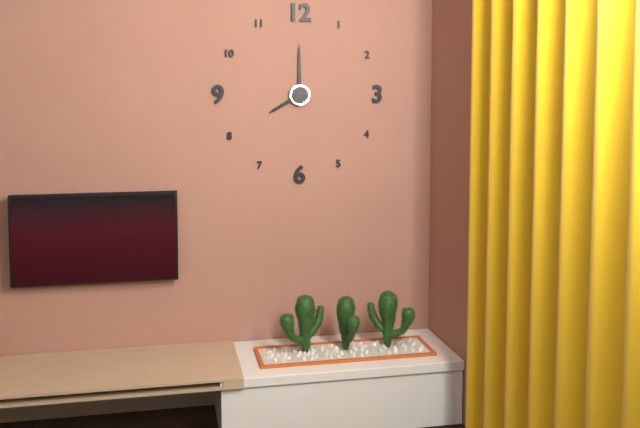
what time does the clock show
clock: 8:00
